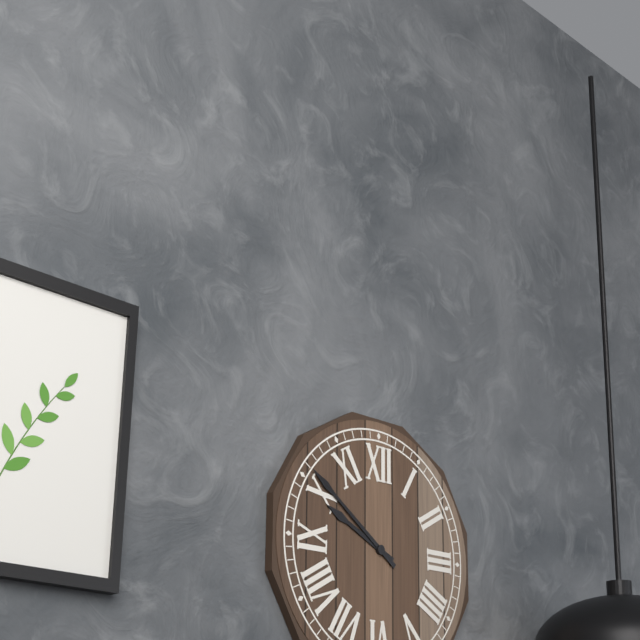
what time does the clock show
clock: 9:51
